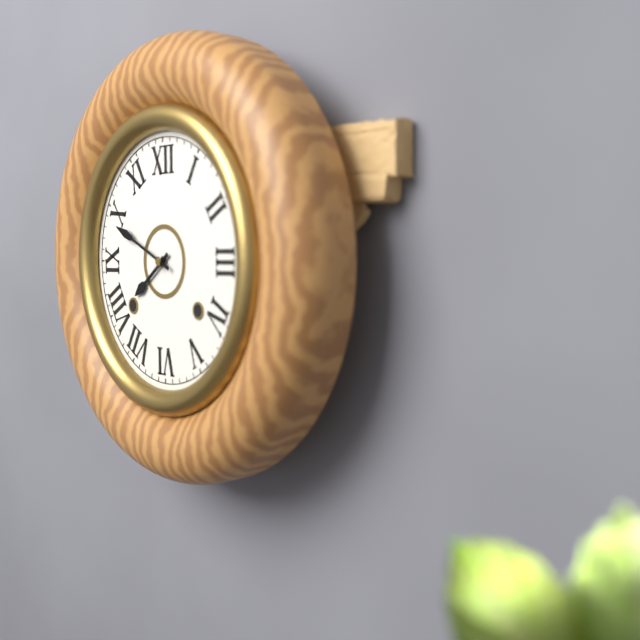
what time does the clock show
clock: 7:49
